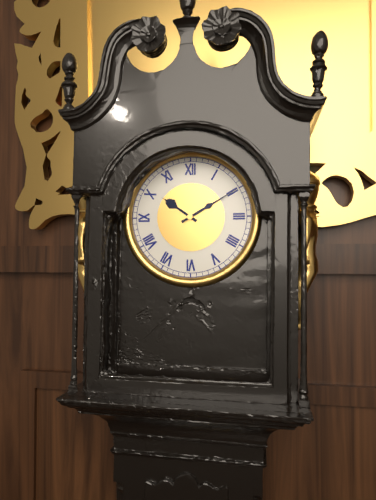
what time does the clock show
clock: 10:10
